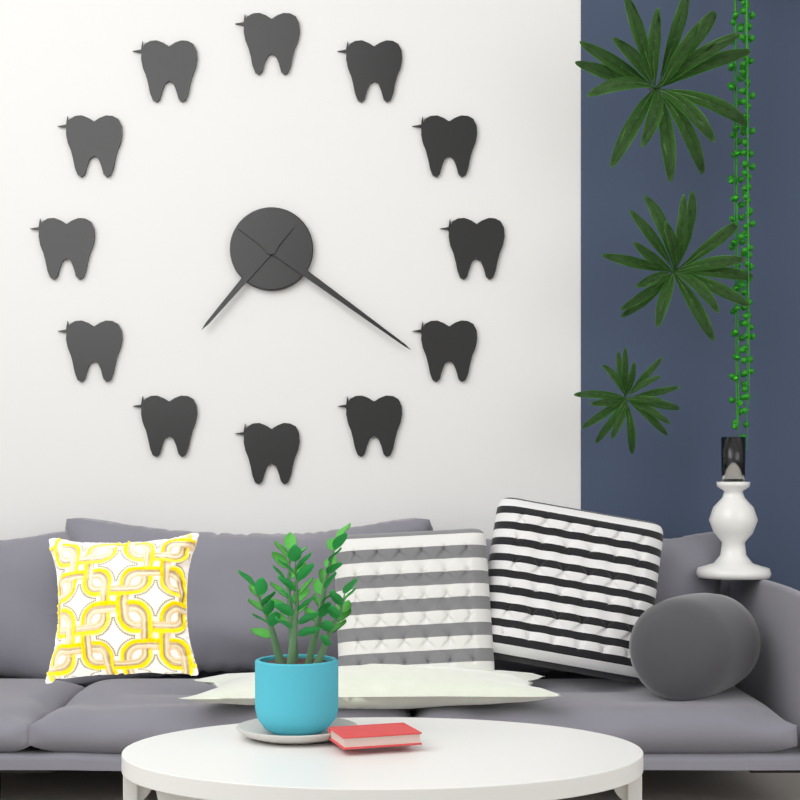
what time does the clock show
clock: 7:21
